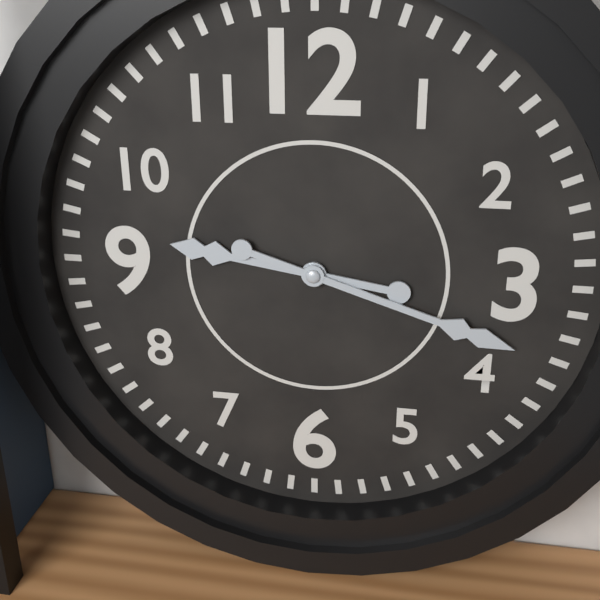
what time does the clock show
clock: 9:18
